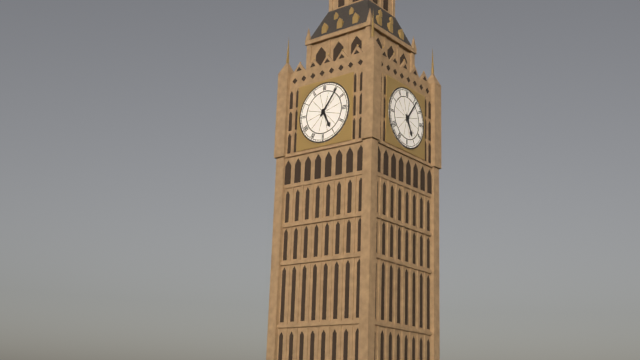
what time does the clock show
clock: 5:06
